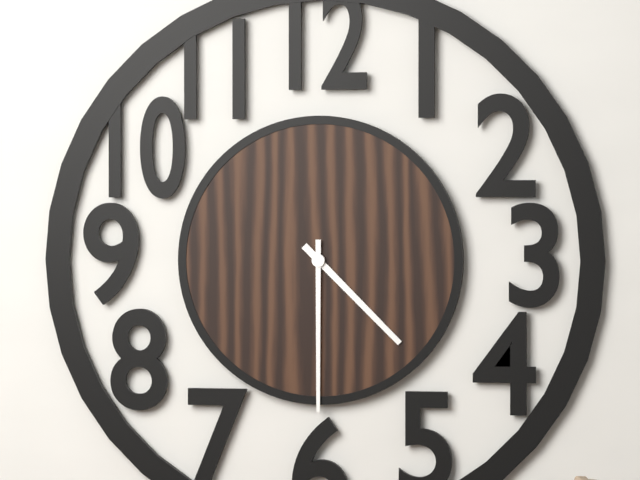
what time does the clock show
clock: 4:30
